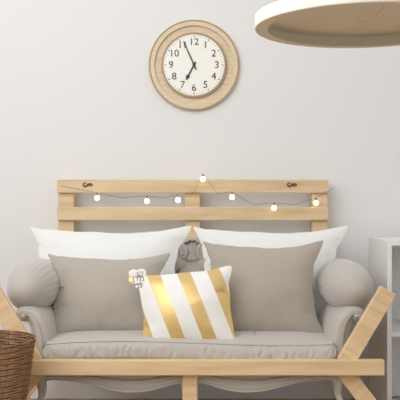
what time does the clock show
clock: 6:56
